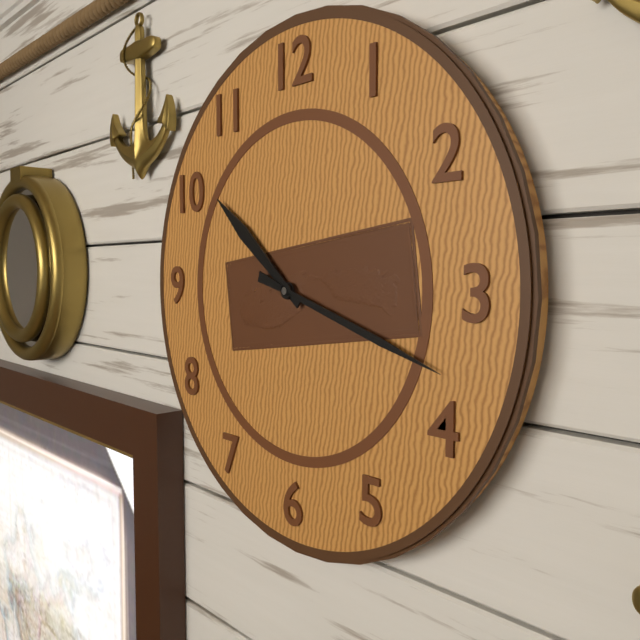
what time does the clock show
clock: 10:18
